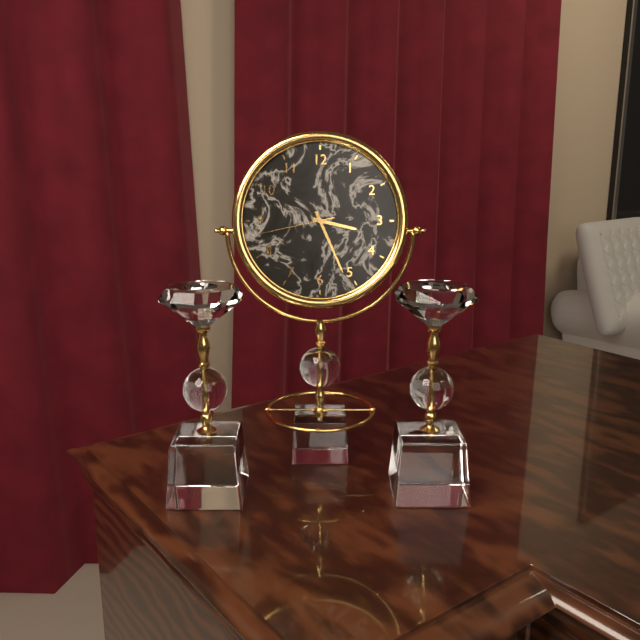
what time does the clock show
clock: 3:26:43
